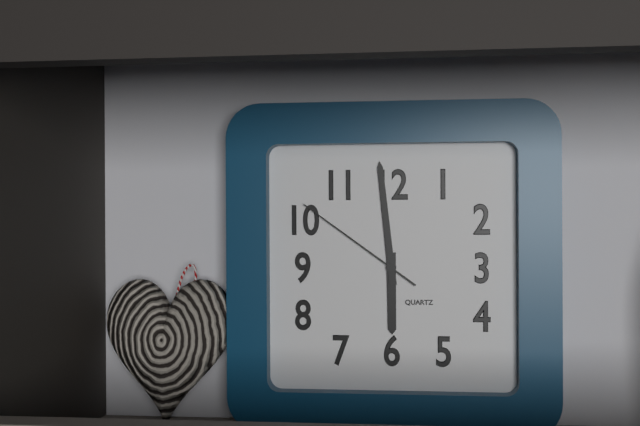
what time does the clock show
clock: 5:59:51
